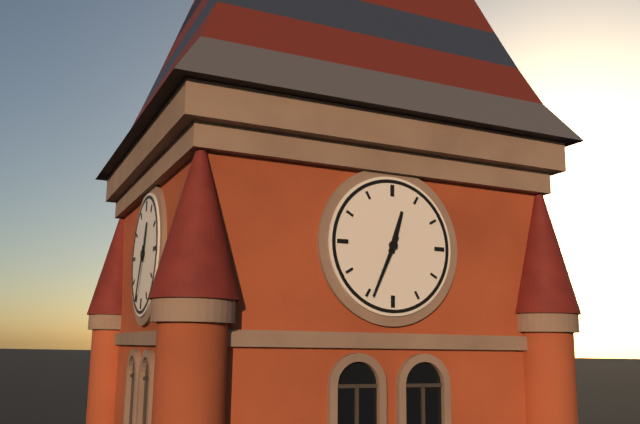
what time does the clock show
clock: 12:34
